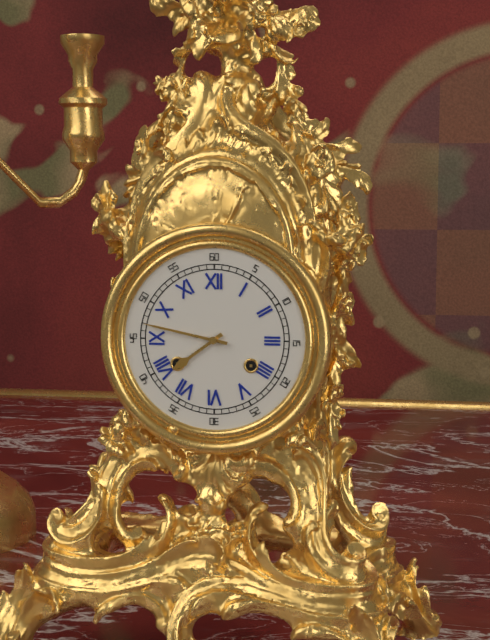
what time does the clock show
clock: 7:47
